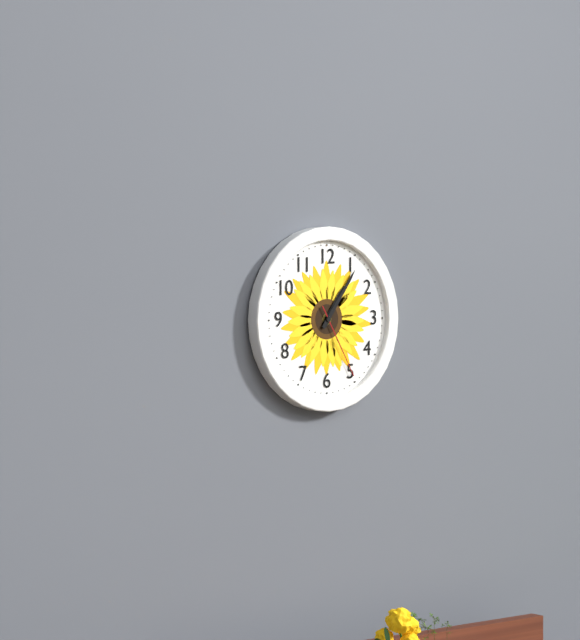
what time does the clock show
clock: 1:06:25
